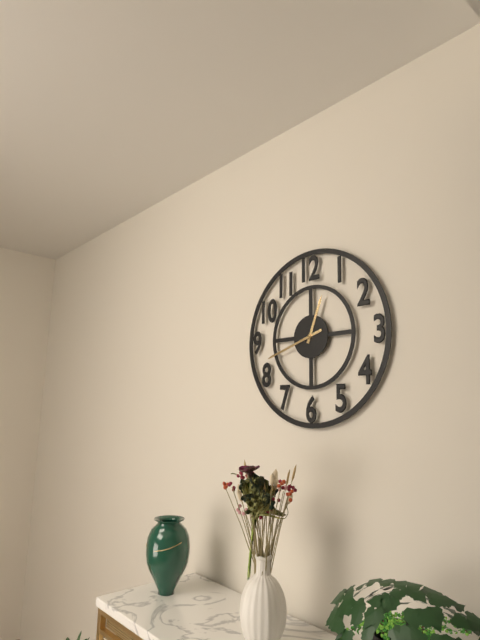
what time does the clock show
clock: 12:42
